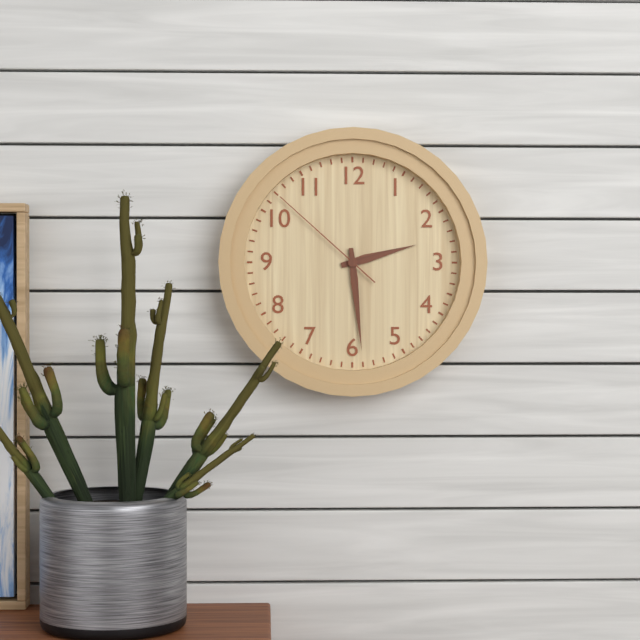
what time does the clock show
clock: 2:29:52
